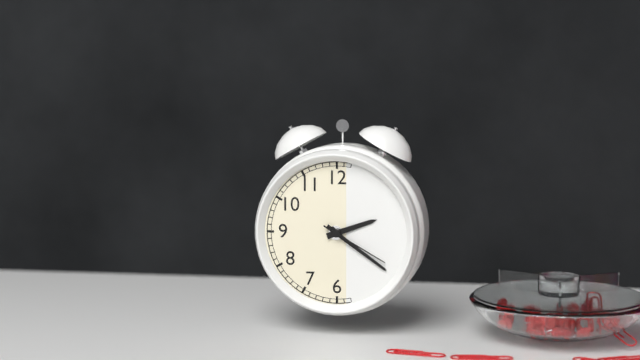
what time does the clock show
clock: 2:21:20
